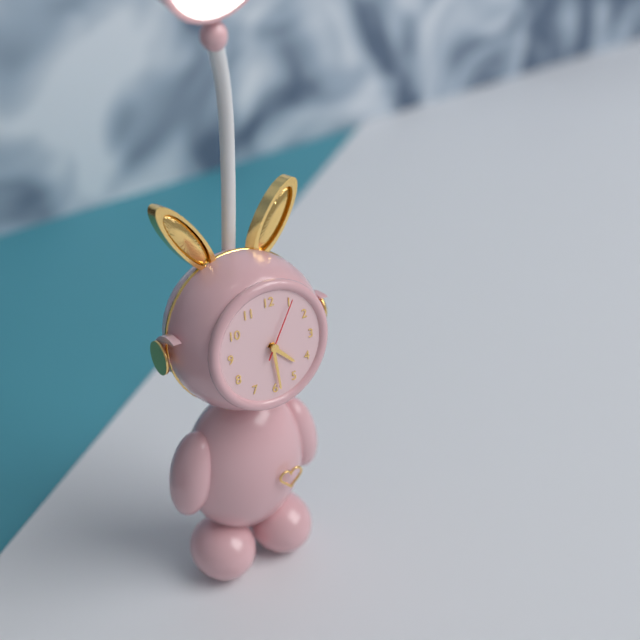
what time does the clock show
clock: 4:29:05
